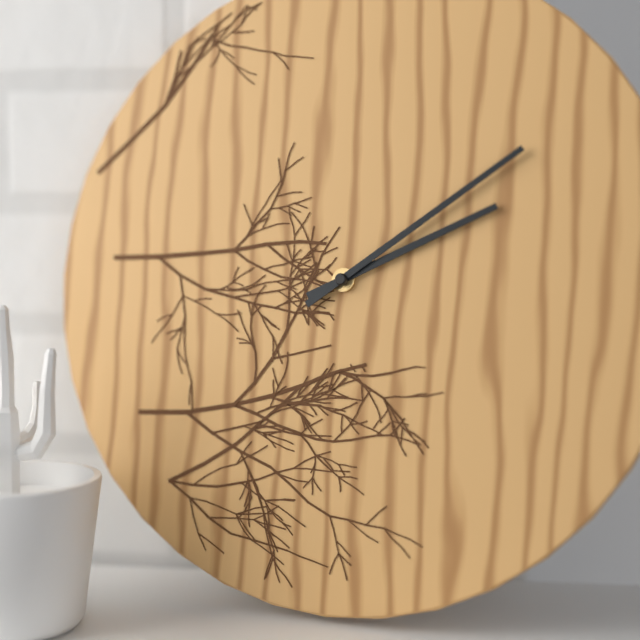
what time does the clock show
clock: 2:09
